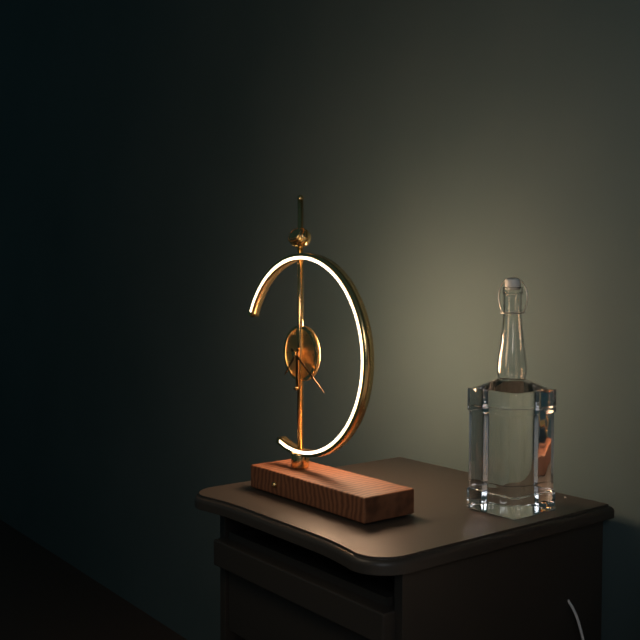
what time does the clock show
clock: 7:21
